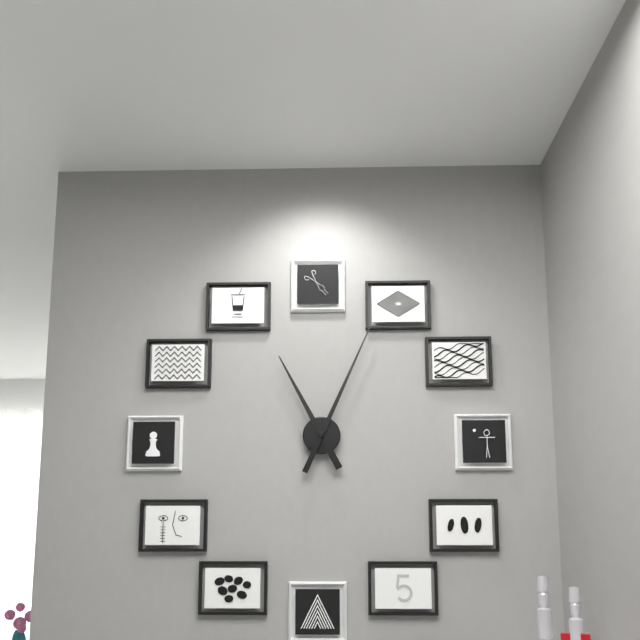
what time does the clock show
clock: 11:04
